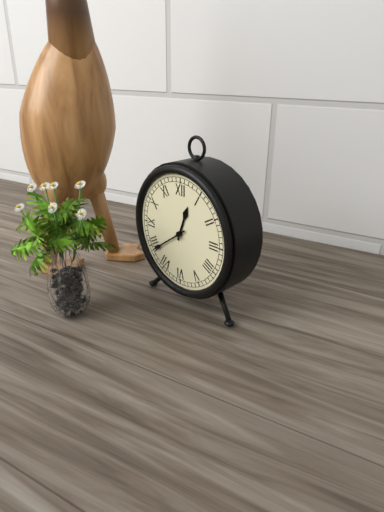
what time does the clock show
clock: 12:39
